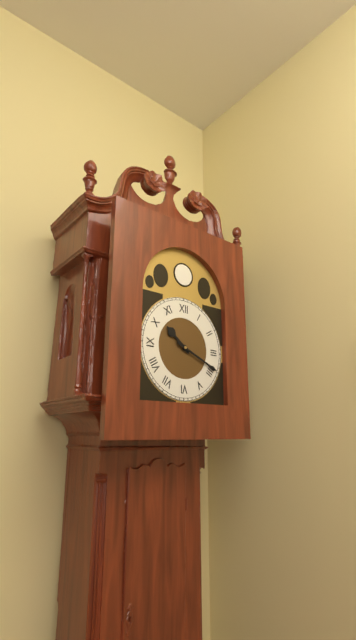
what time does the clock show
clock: 10:19
